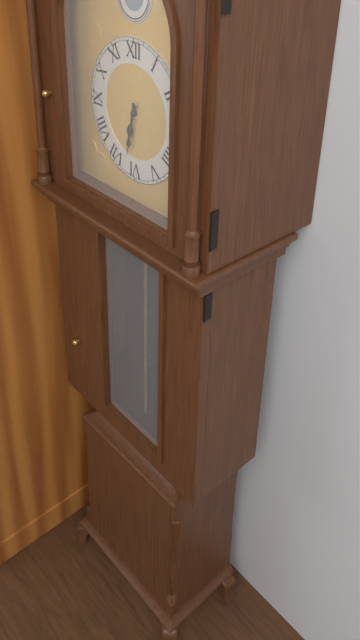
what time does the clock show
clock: 6:32
